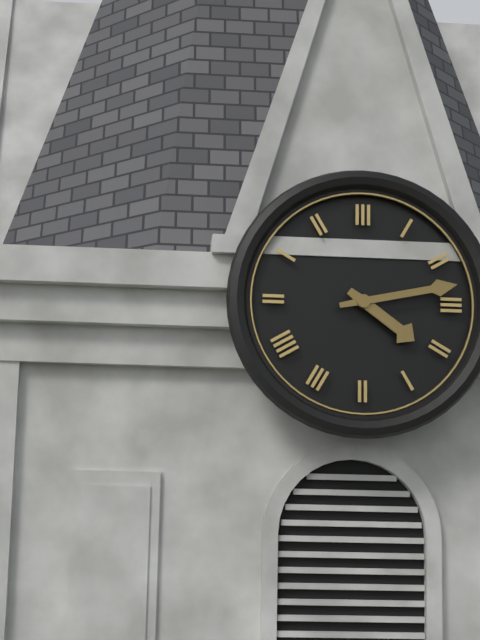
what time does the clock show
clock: 4:13
